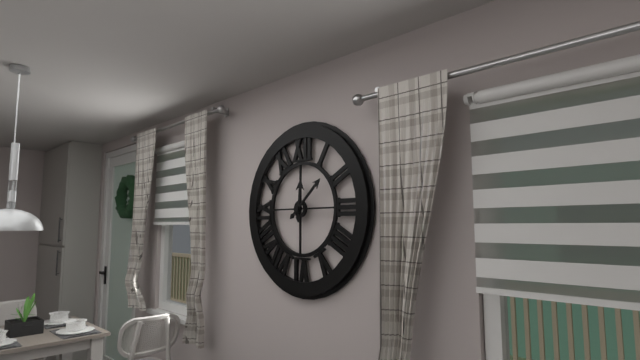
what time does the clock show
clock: 12:08
